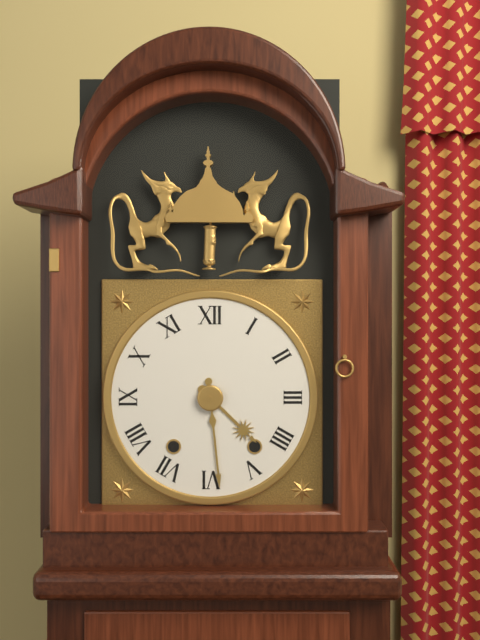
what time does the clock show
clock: 4:29
